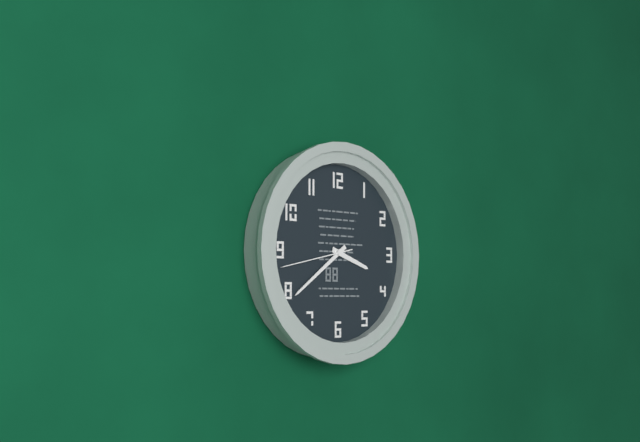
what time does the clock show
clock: 3:39:43
